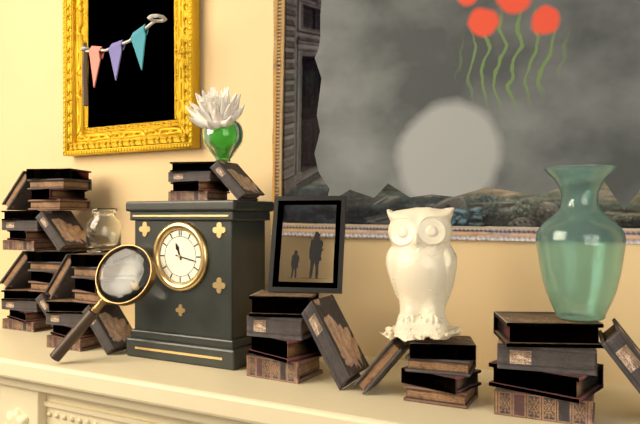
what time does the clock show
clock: 11:17
